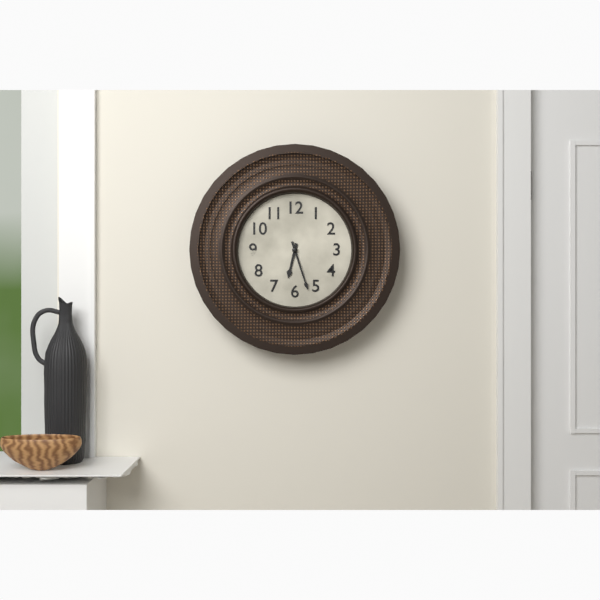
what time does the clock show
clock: 6:27
